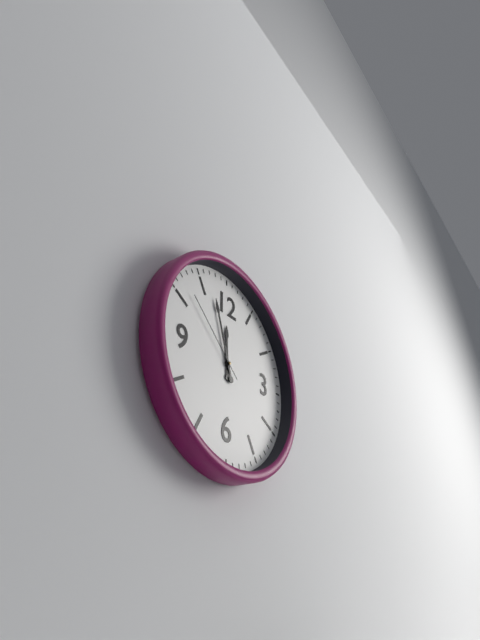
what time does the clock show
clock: 11:57:52
